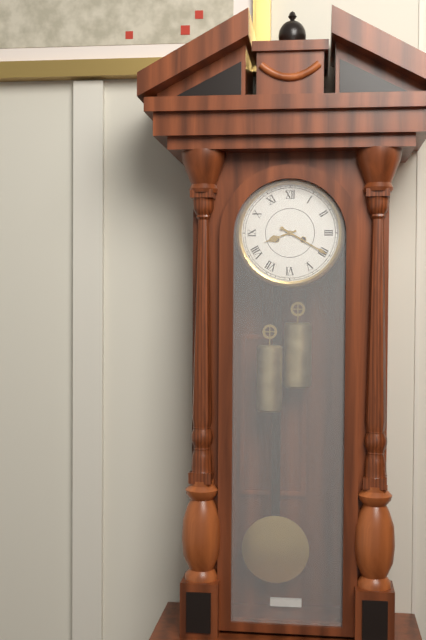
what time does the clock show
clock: 8:20
